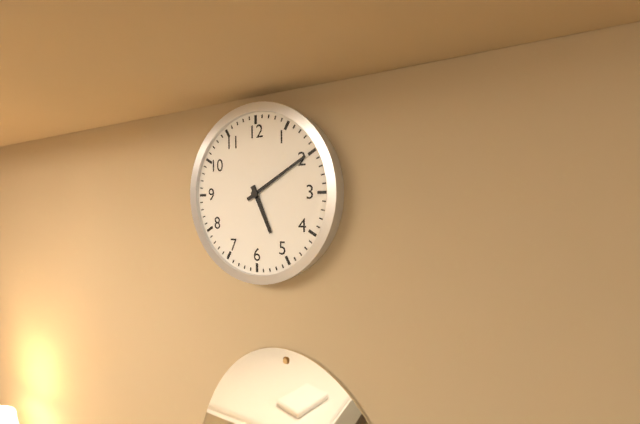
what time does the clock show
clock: 5:10
